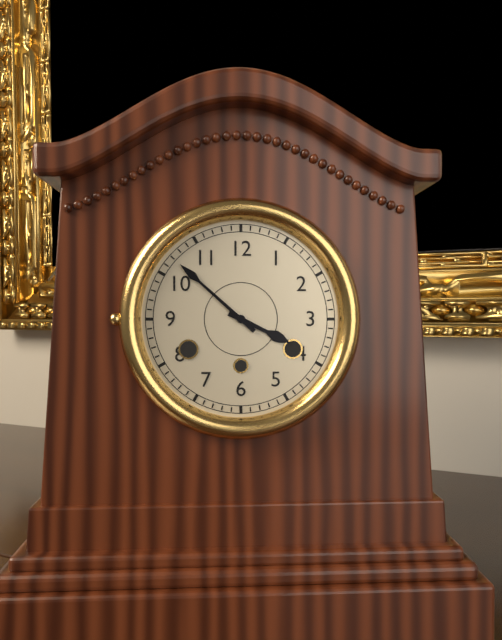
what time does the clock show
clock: 3:52
